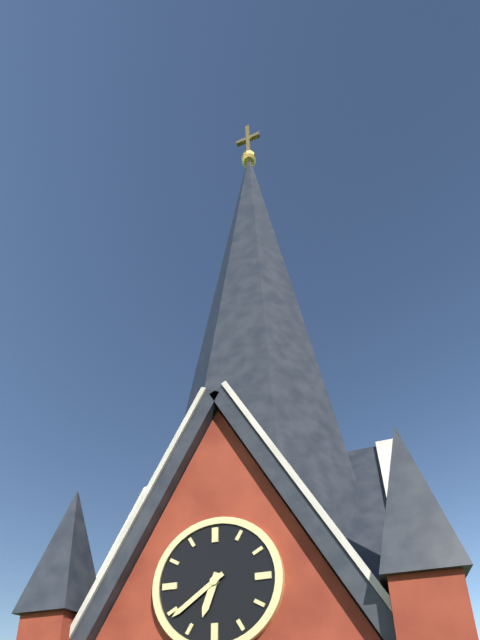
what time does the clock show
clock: 6:39
